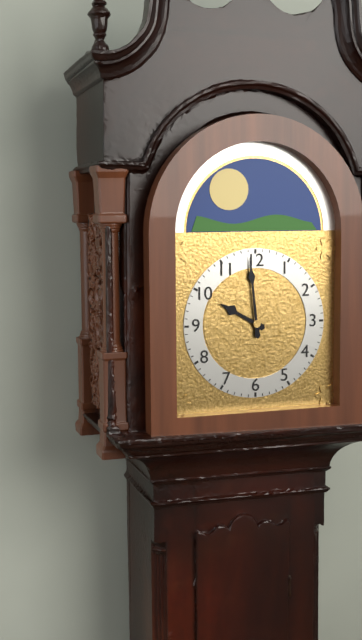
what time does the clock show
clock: 9:59
